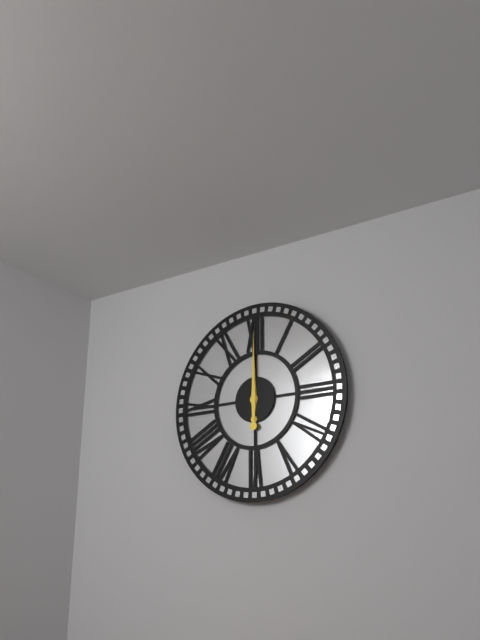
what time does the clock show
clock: 12:00
